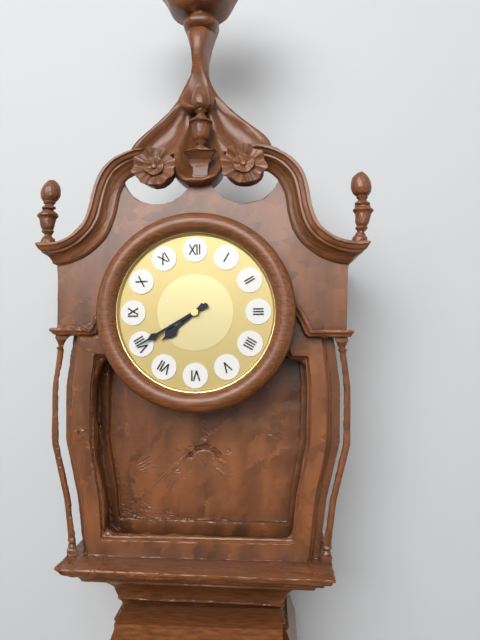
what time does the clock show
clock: 7:40
